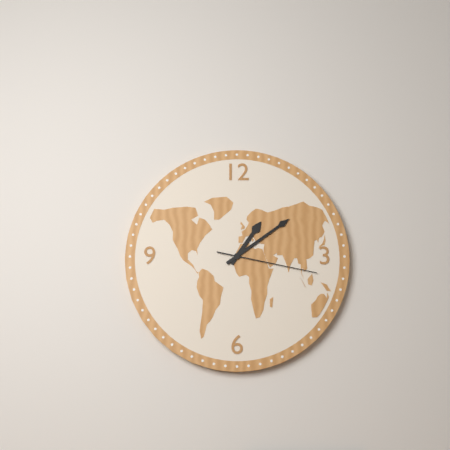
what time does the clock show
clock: 1:09:17
